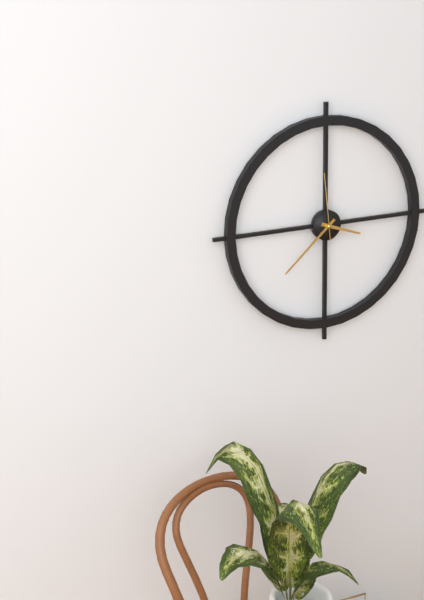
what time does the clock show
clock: 3:38:59
